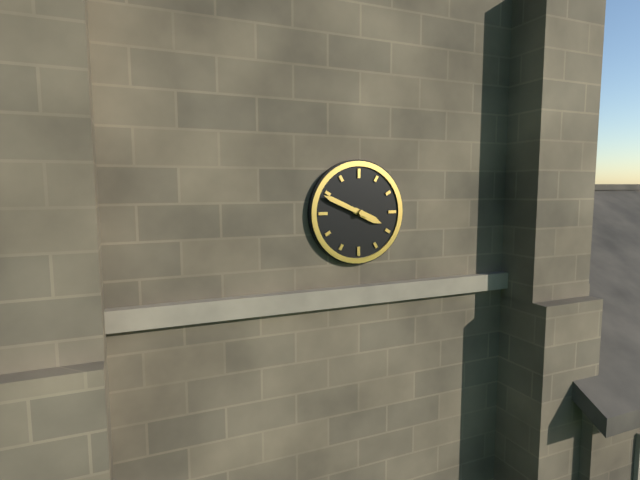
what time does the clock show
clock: 3:49
